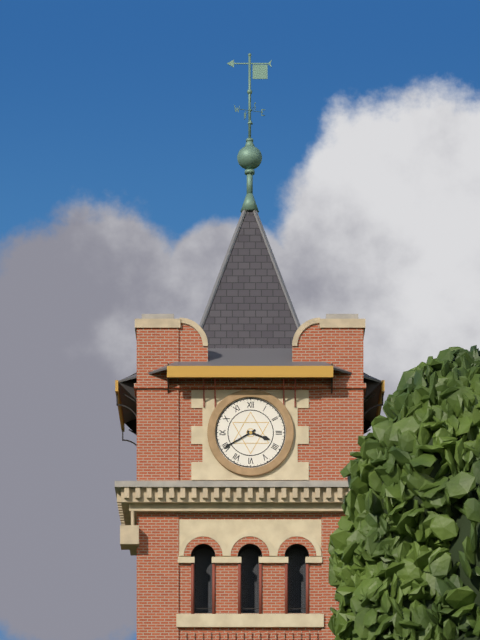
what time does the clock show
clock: 3:40
